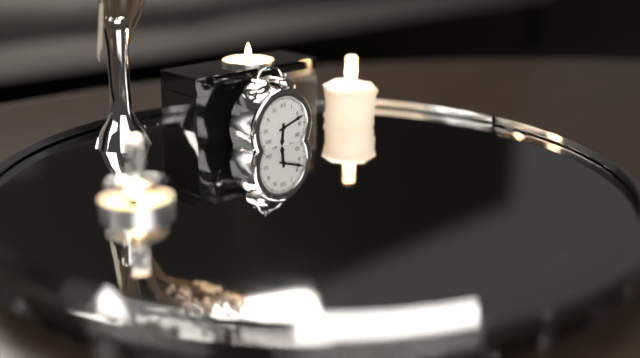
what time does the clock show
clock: 6:12
